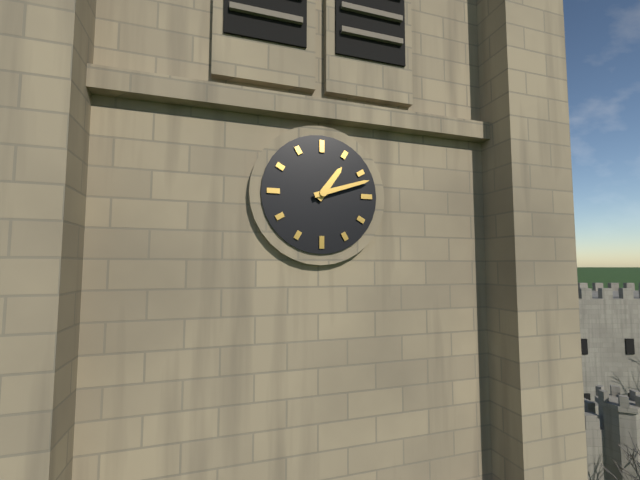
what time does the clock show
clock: 1:12
